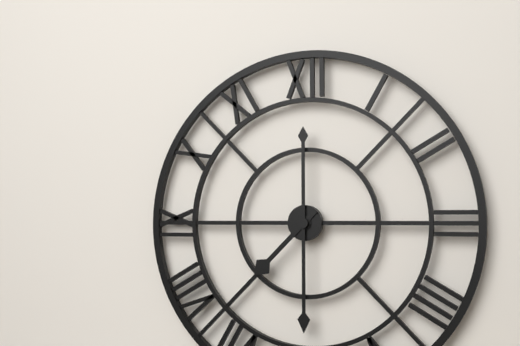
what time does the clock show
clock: 7:30
